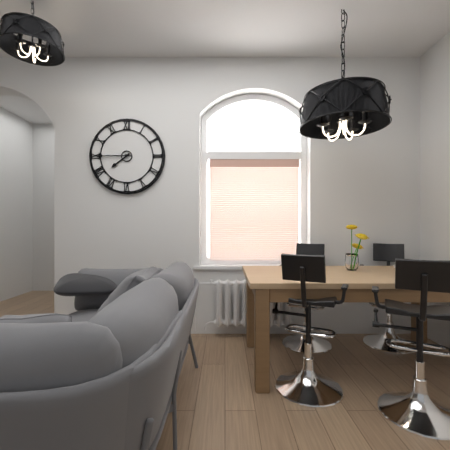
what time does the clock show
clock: 7:45
